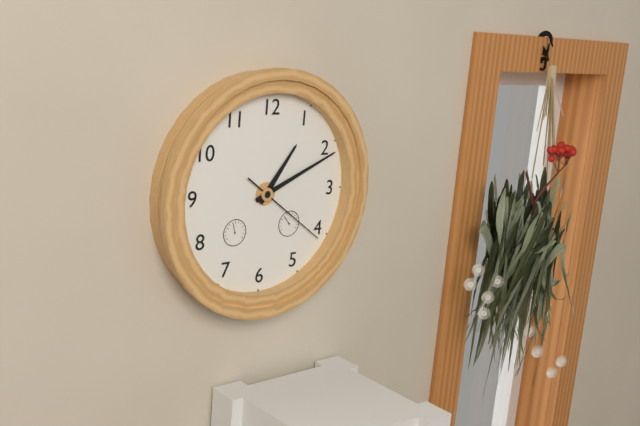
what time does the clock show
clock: 1:11:21
